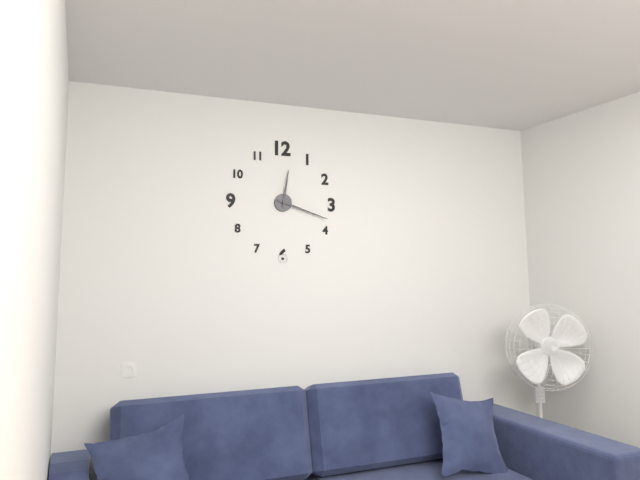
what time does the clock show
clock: 12:18
